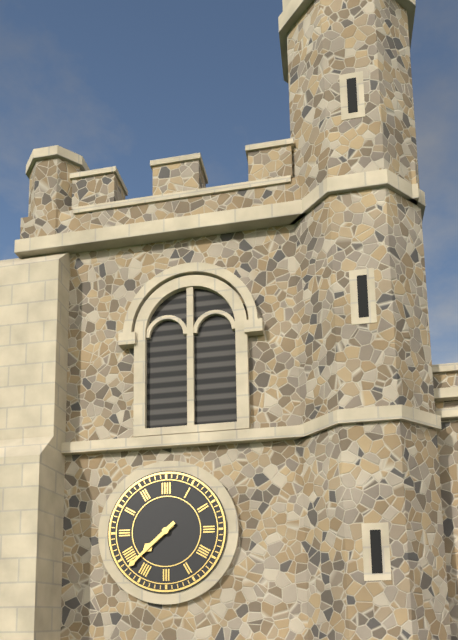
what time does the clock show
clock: 7:38
